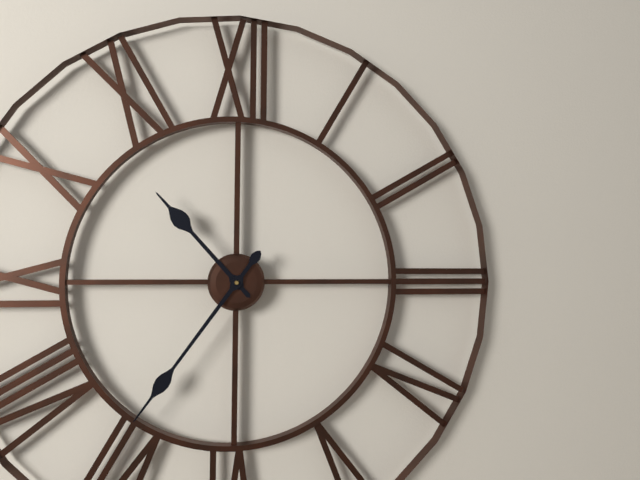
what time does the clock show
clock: 10:36
